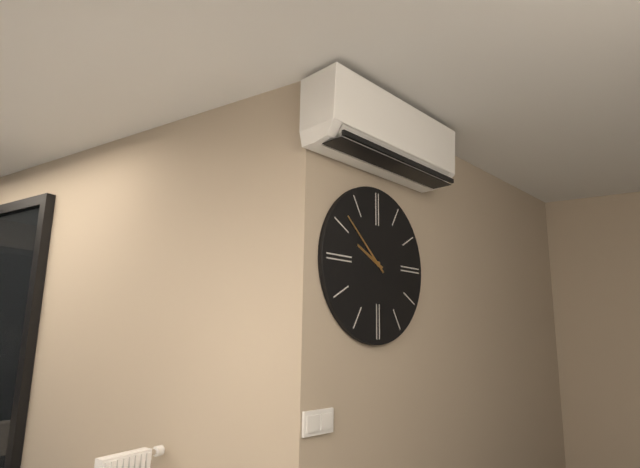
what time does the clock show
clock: 9:52
